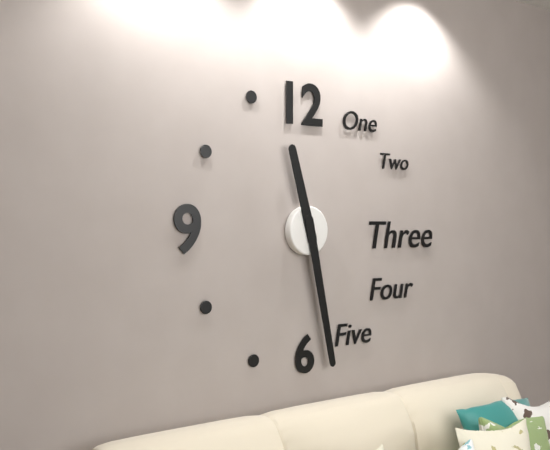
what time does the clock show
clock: 11:28
